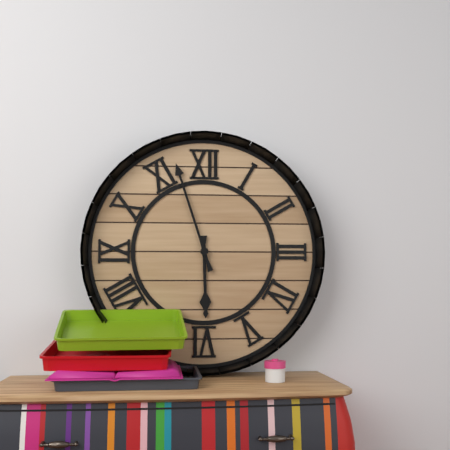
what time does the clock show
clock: 5:57
